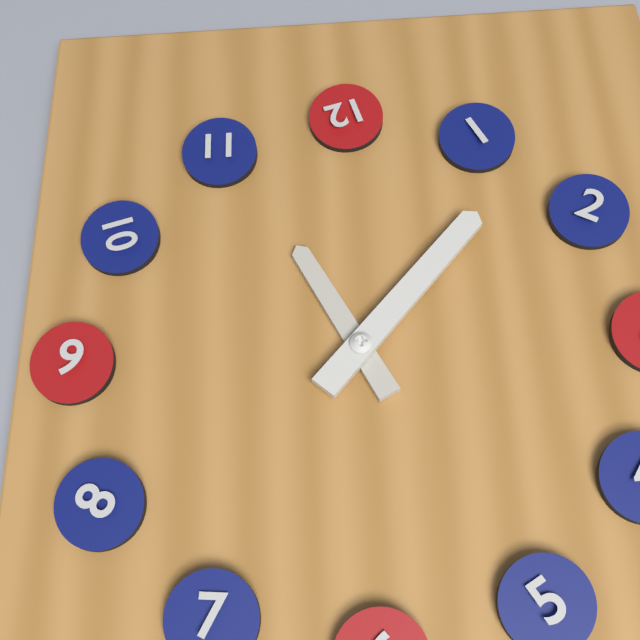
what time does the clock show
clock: 11:07
